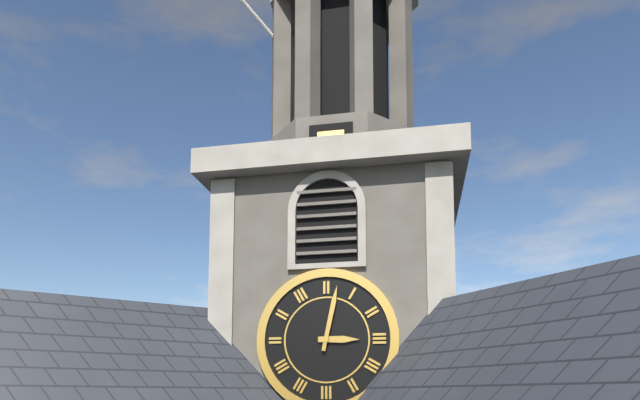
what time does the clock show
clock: 3:02
